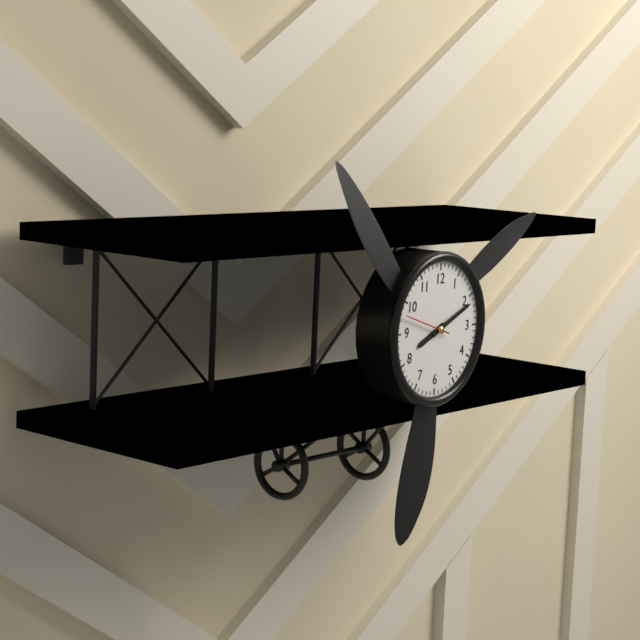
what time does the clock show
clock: 8:11
